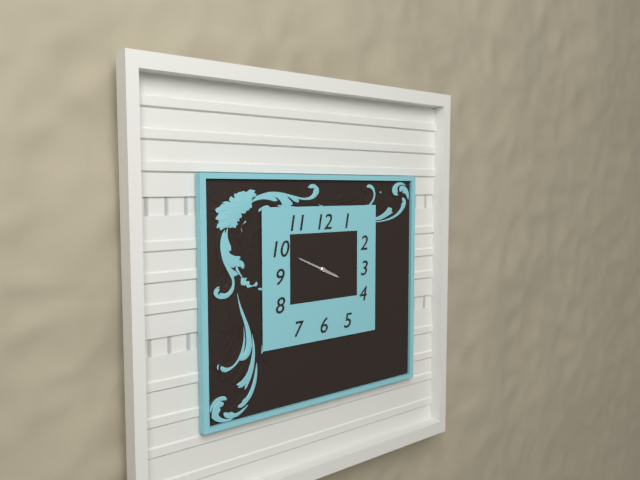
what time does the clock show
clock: 3:49
